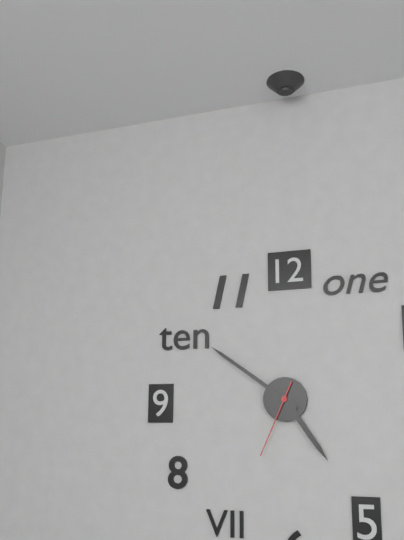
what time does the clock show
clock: 4:51:34
